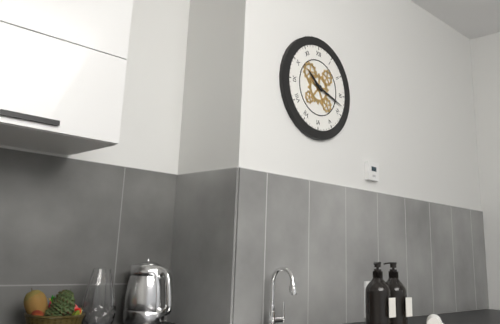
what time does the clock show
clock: 10:18
